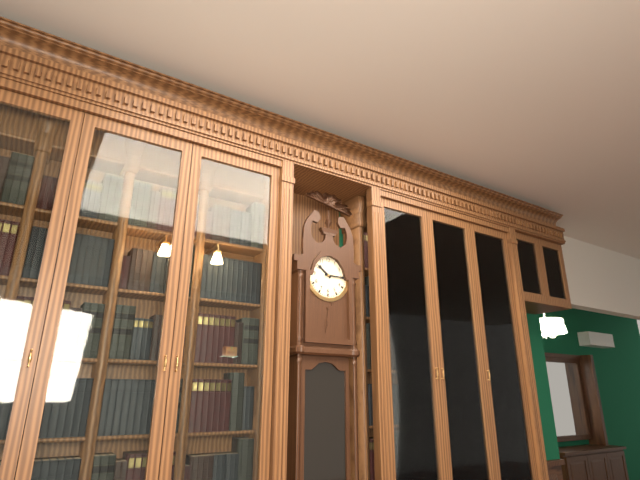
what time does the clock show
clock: 10:15
